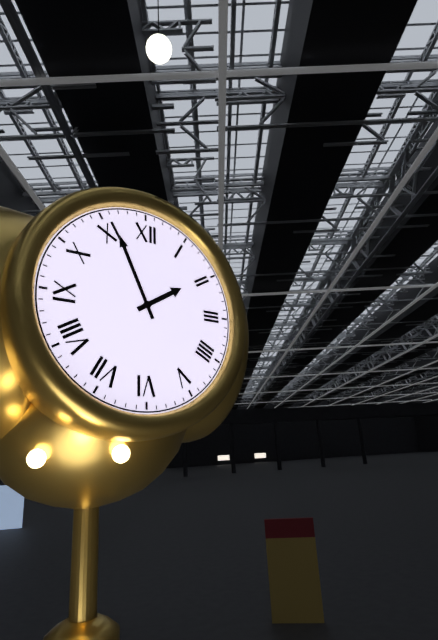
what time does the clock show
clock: 1:56
